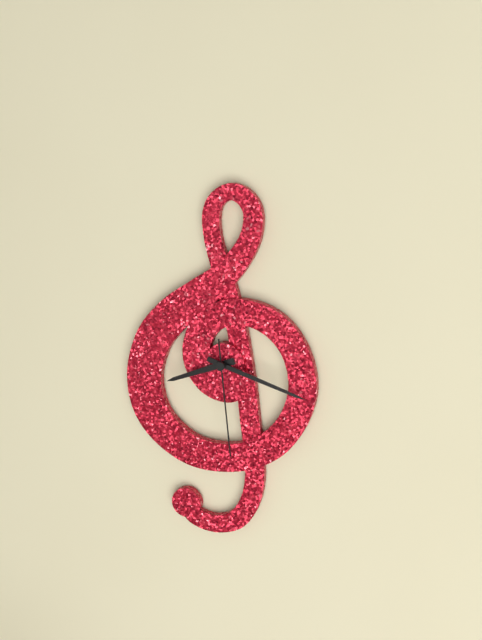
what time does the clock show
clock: 8:18:29
